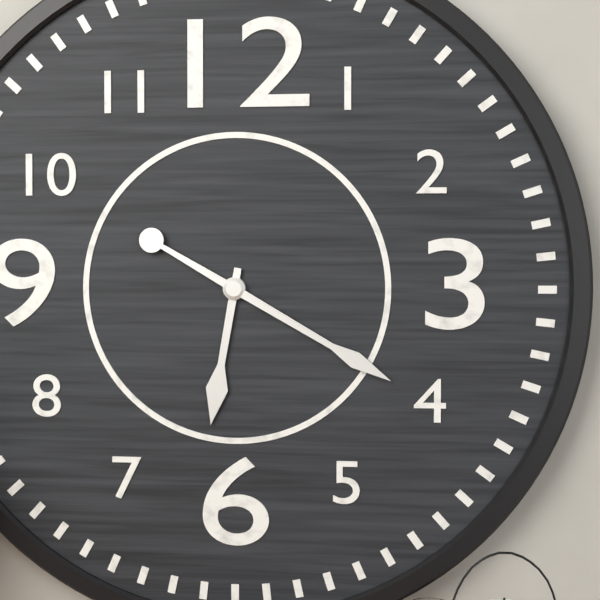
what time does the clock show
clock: 6:20
